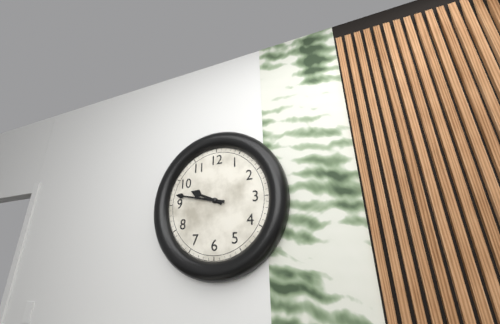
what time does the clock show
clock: 9:47
